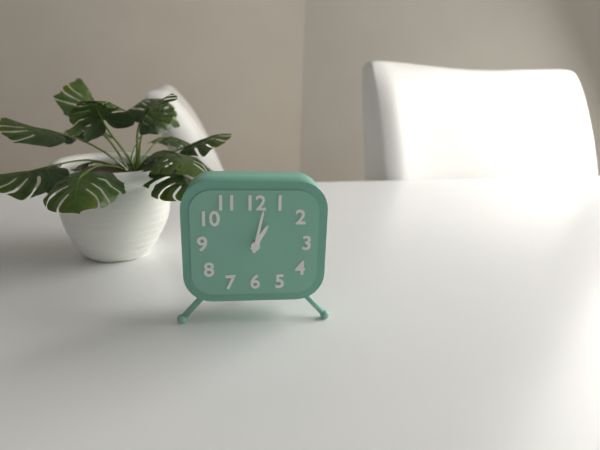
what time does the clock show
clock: 1:02
